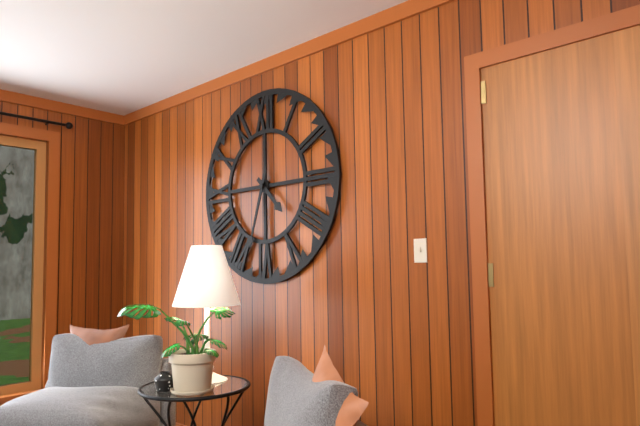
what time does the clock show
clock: 4:33
